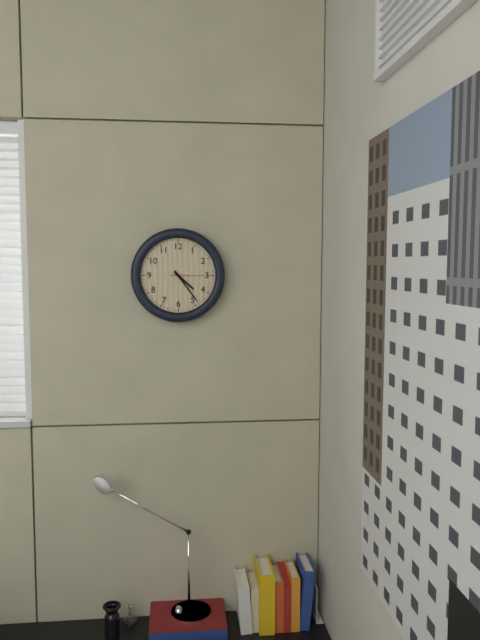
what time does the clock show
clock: 4:24
